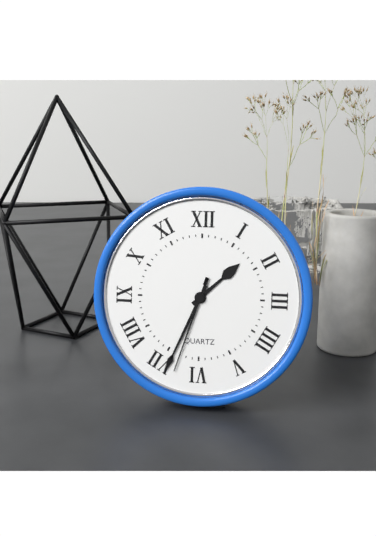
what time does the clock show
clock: 1:34:33
